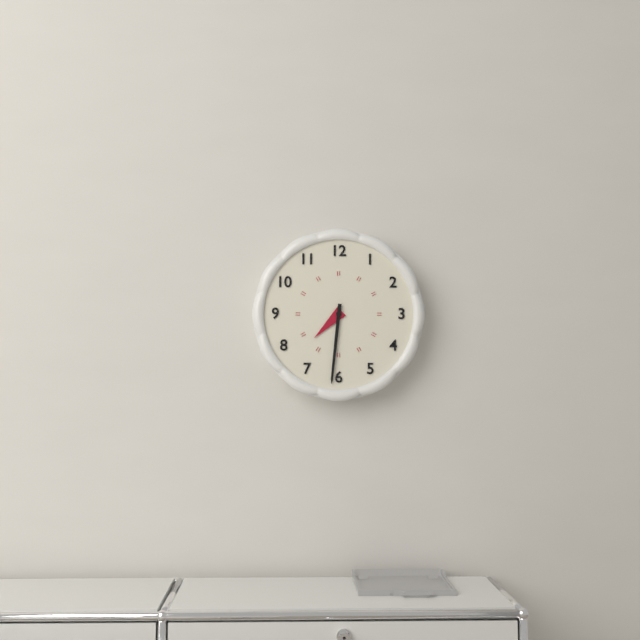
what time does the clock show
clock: 7:31
